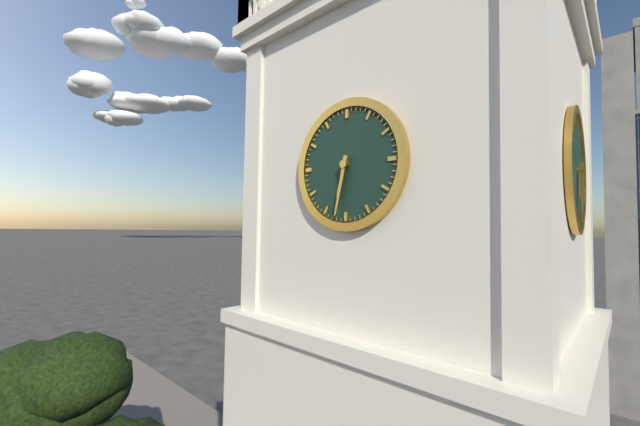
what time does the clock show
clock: 6:32
